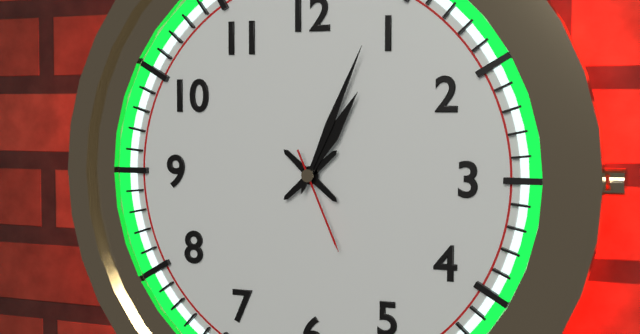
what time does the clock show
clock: 1:04:26
